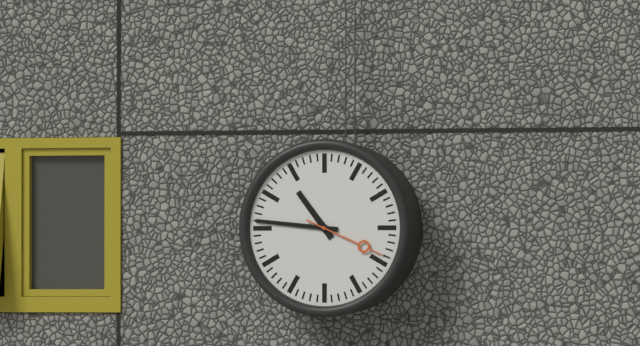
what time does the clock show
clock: 10:46:19
